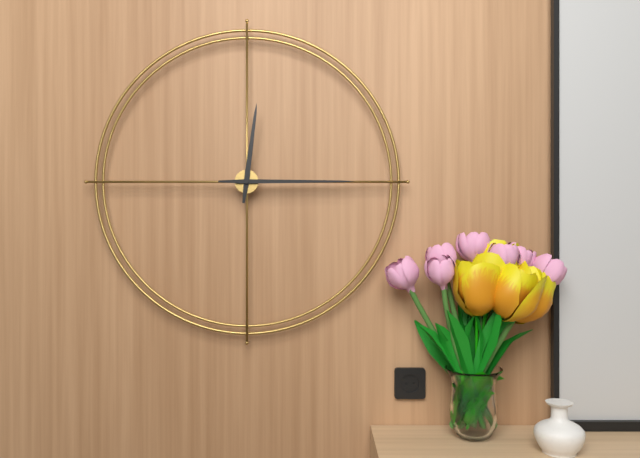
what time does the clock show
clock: 12:15
